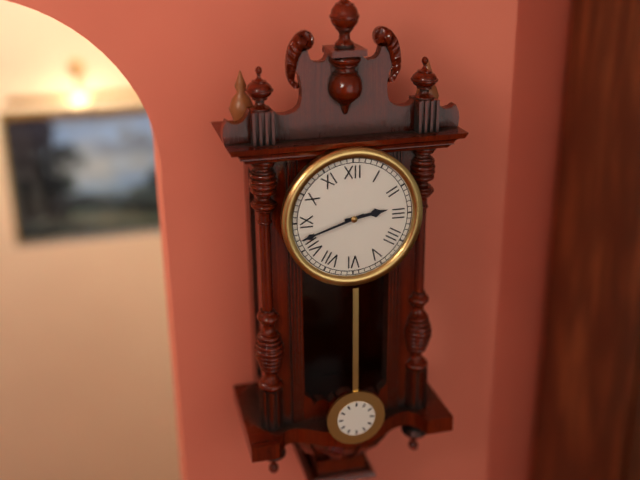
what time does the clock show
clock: 2:42
